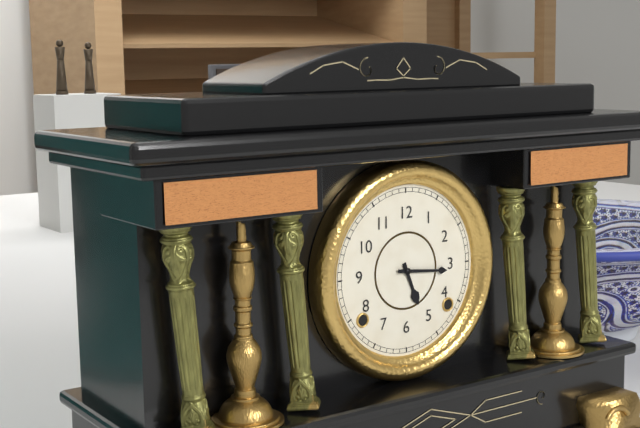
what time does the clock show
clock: 5:16
